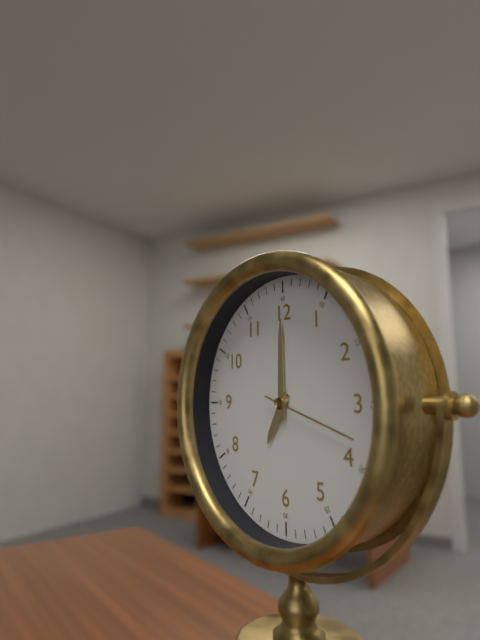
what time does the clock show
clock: 7:00:18
